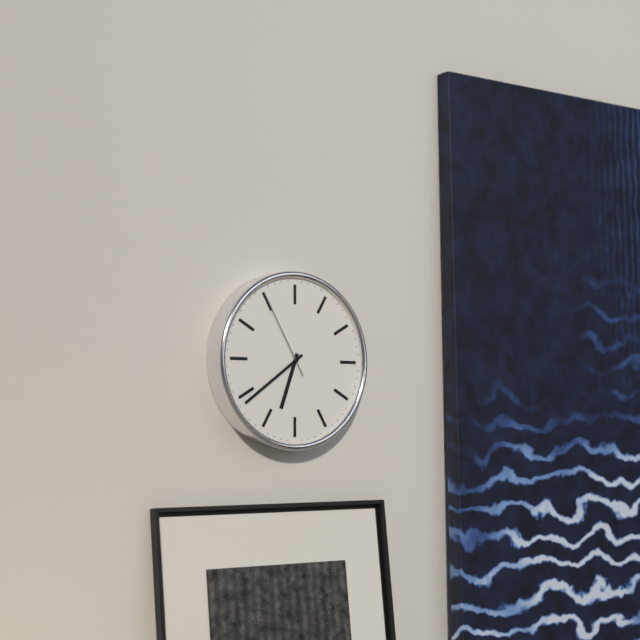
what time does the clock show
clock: 6:39:55
